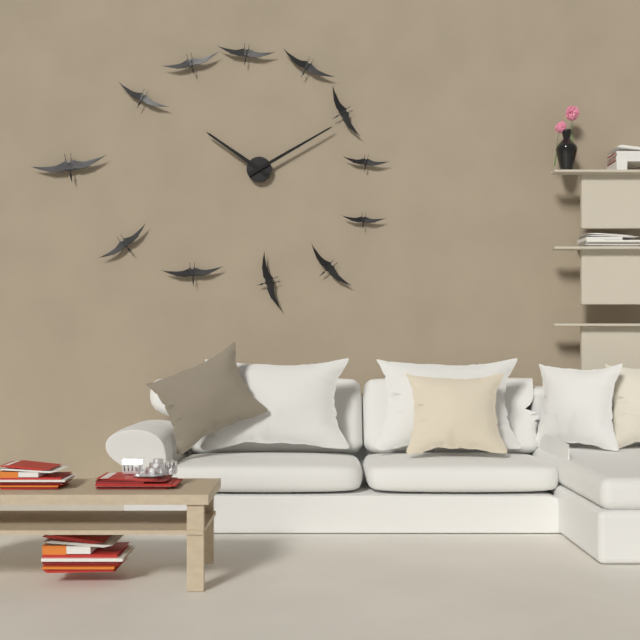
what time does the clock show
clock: 10:10
